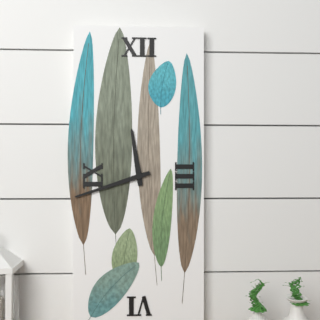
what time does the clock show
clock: 11:42
